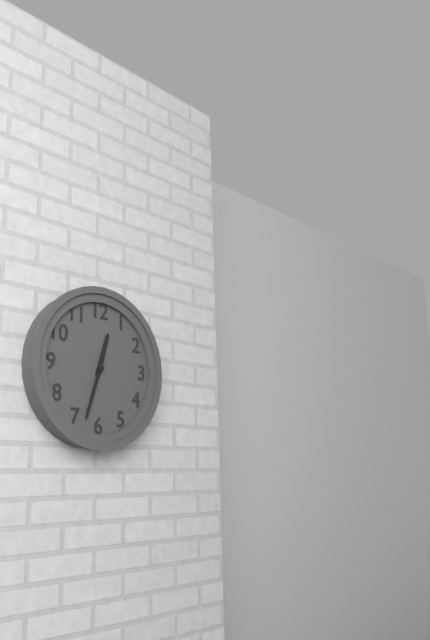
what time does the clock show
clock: 12:33
